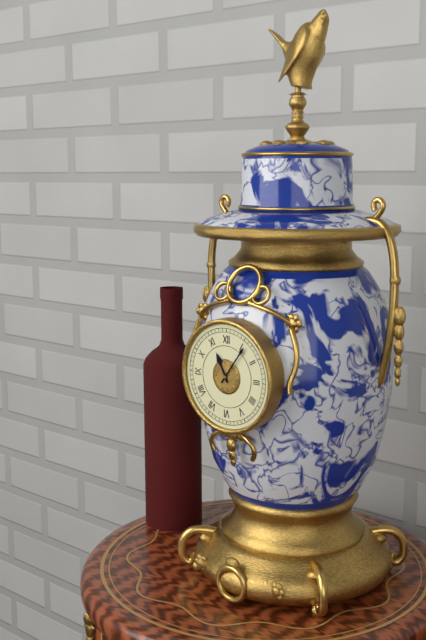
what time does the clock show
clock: 11:06
